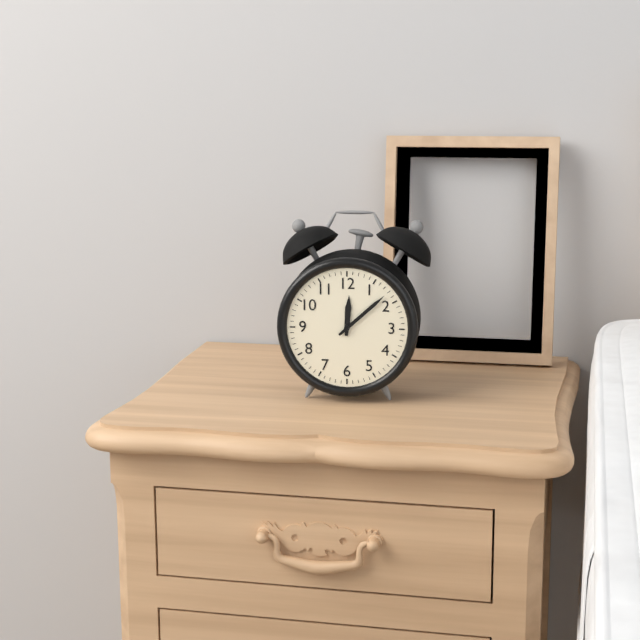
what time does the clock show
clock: 12:08
